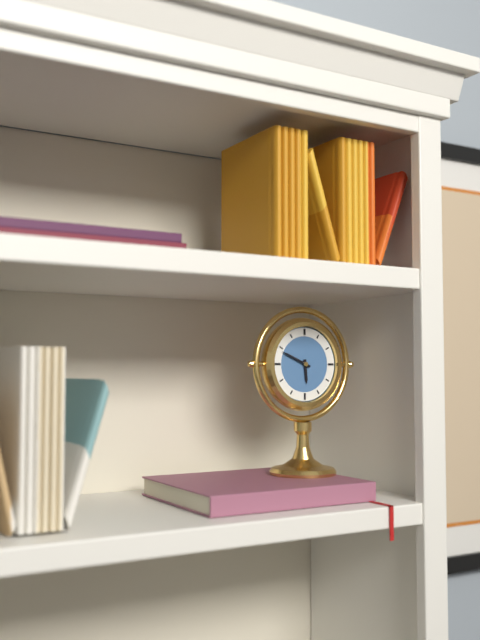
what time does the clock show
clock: 5:49
